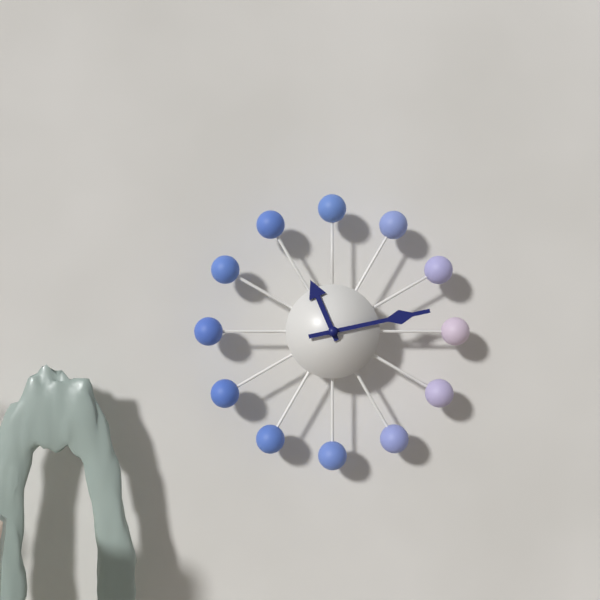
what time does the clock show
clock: 11:13
